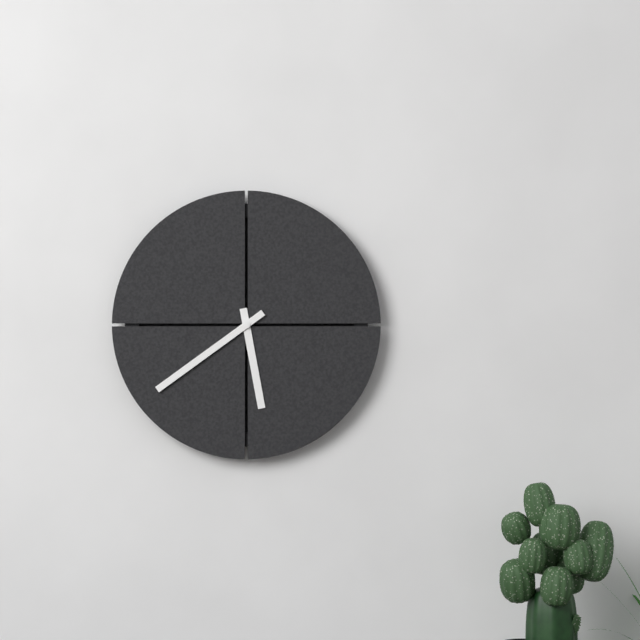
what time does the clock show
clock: 5:39
